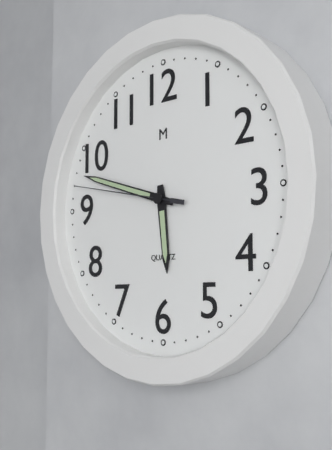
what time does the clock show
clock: 5:48:47
